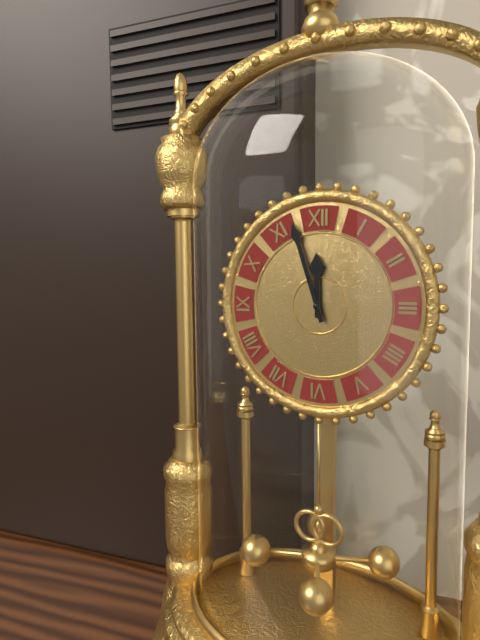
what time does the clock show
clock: 11:57
